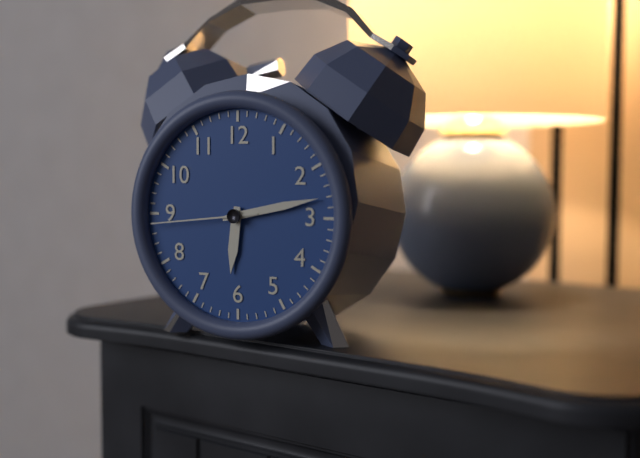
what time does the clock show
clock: 6:13:44
